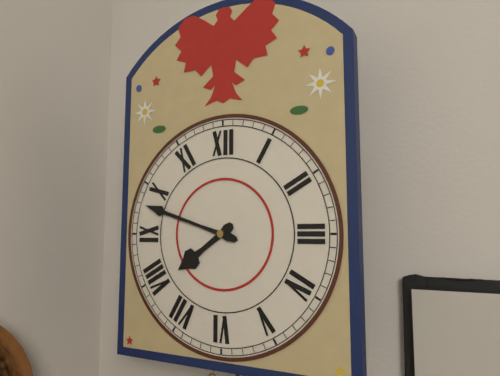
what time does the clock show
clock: 7:48
